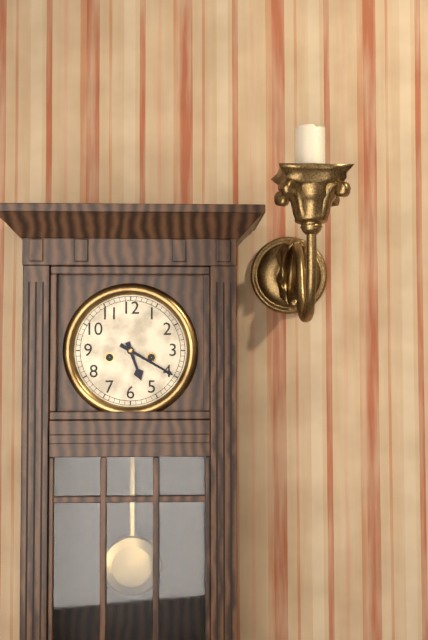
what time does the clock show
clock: 5:20
